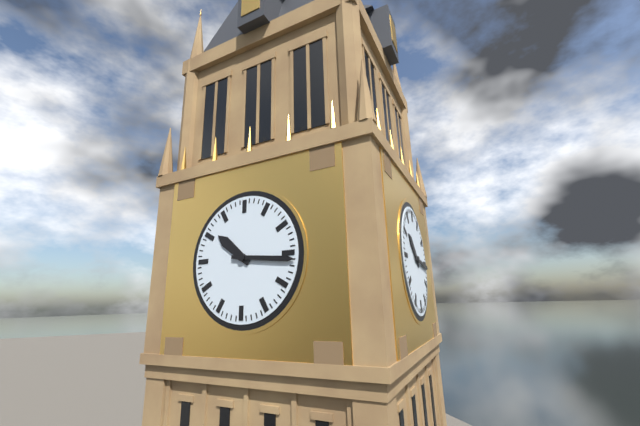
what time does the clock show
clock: 10:16
